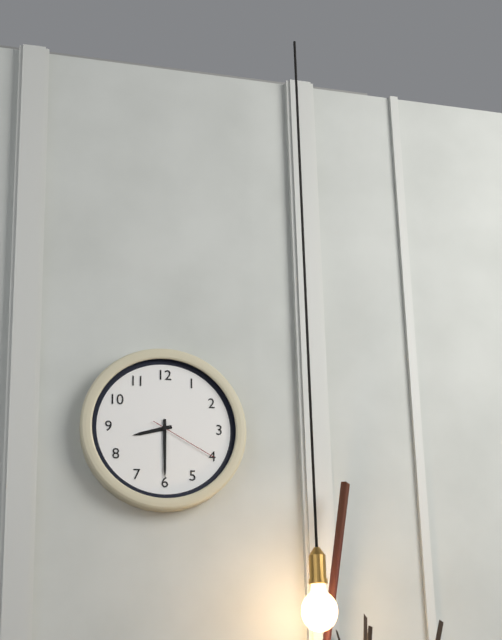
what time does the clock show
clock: 8:30:20
